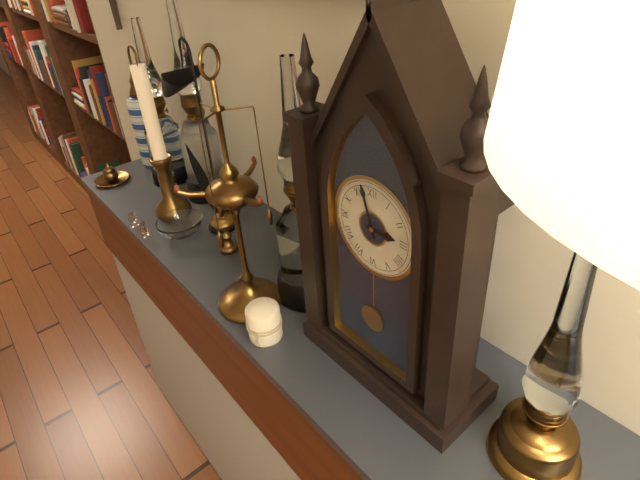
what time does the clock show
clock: 2:57
